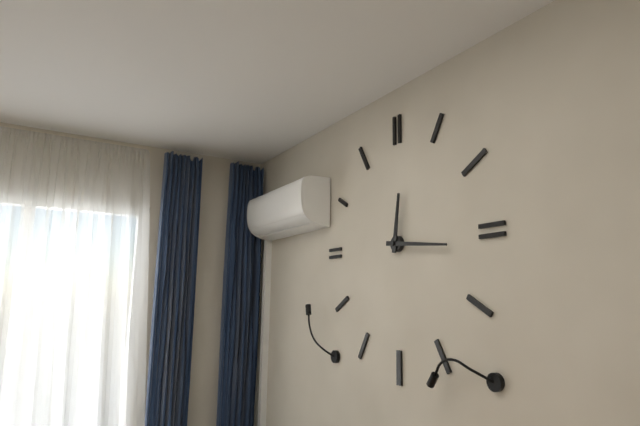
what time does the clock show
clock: 12:16
